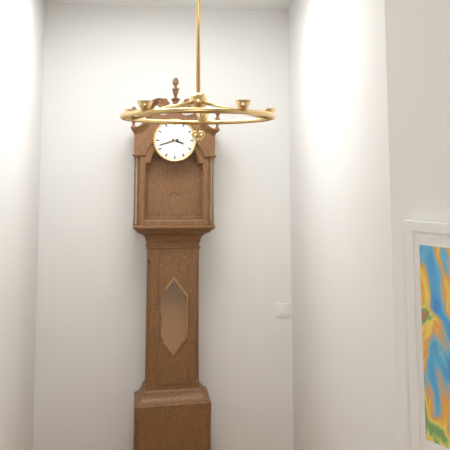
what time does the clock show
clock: 3:42
